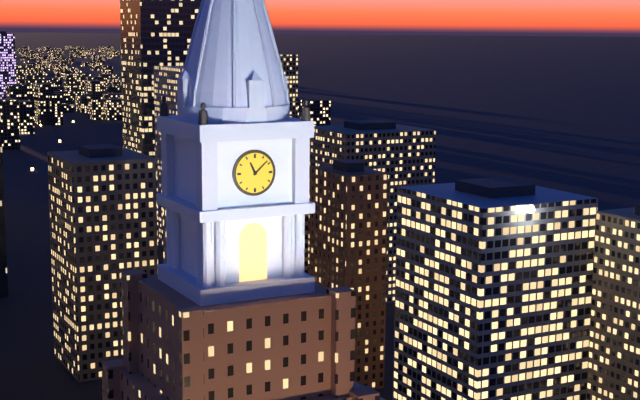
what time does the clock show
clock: 11:08
